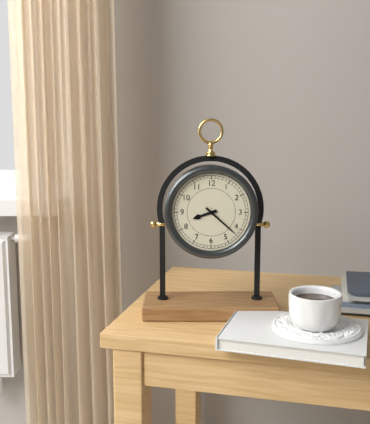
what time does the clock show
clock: 8:22
